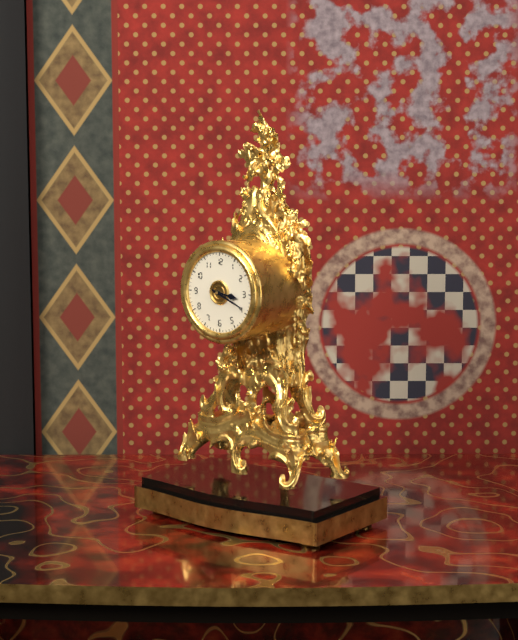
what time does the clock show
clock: 3:19
